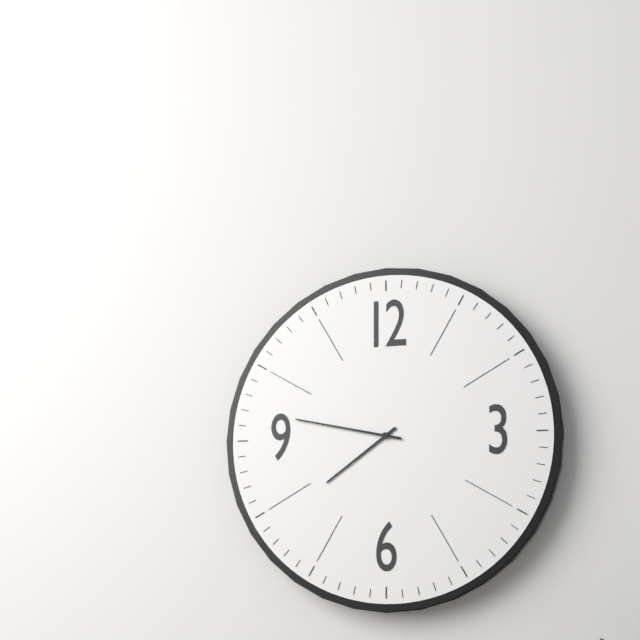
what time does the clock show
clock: 7:47
